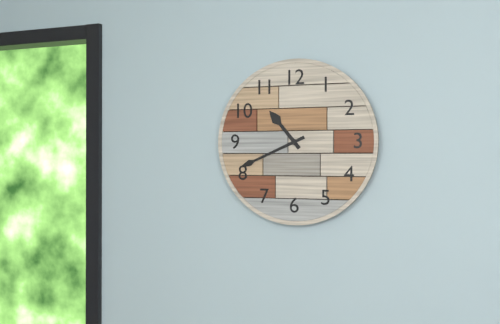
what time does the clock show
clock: 10:41
